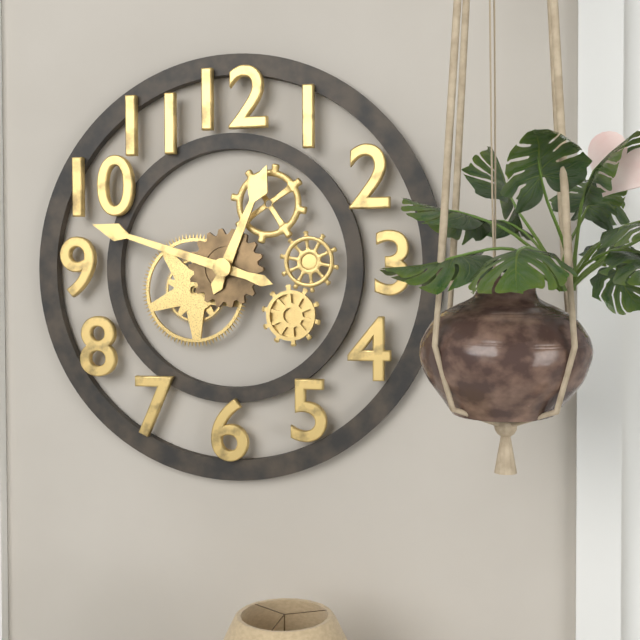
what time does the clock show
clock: 12:48
